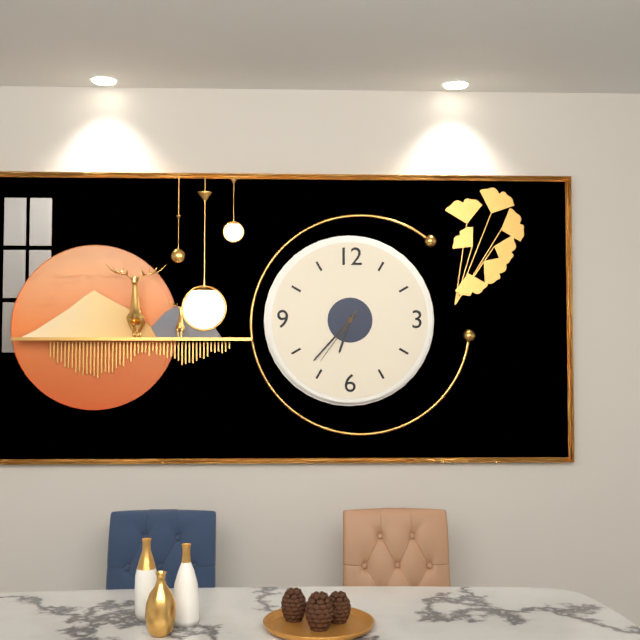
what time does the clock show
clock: 6:37:36
